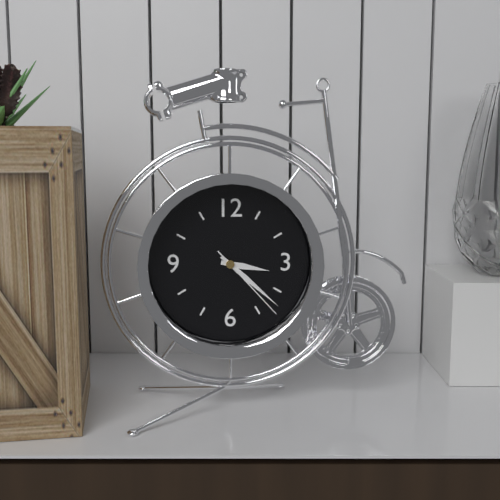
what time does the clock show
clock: 3:22:23
